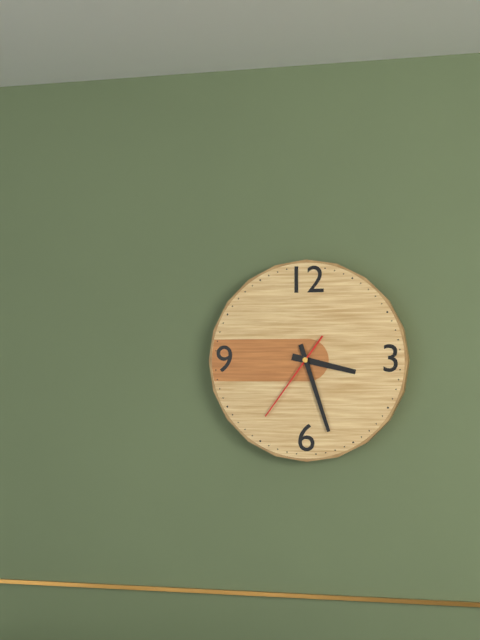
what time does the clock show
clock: 3:27:36
